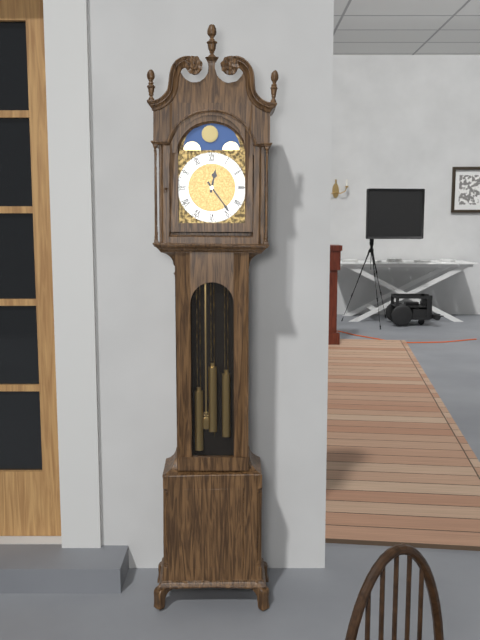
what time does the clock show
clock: 12:24
